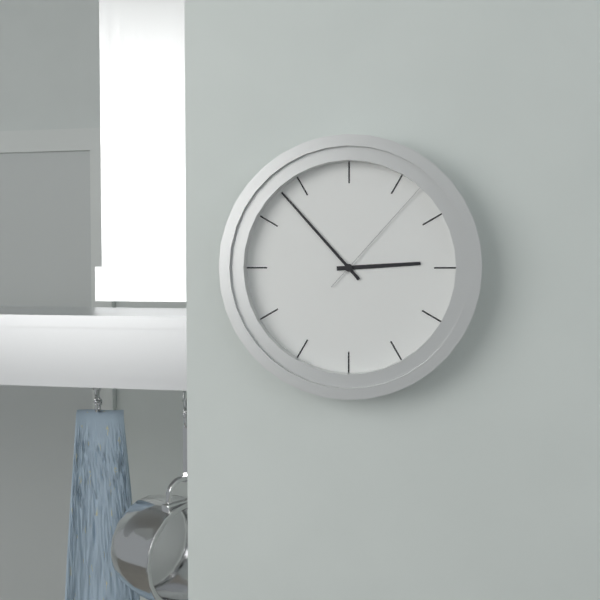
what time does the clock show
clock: 2:53:07
